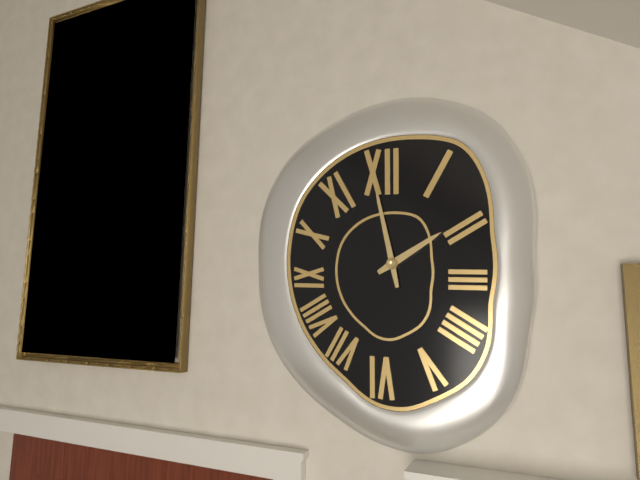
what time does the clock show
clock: 1:58
